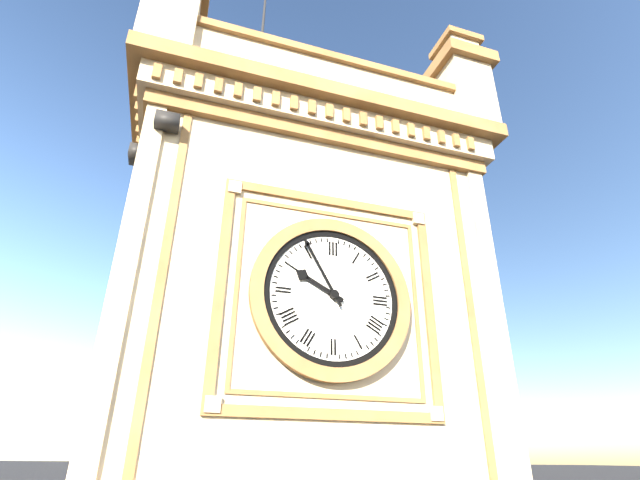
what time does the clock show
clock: 9:55
